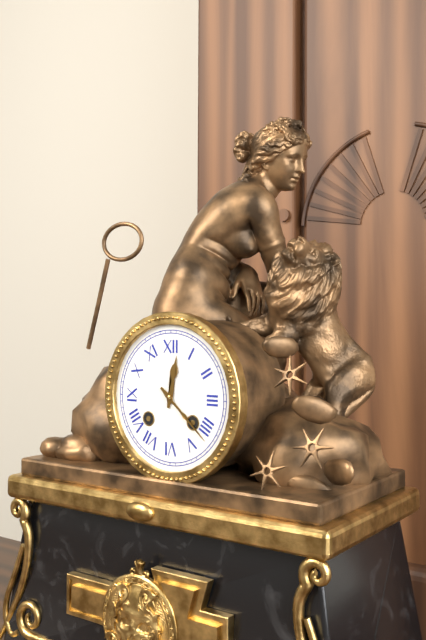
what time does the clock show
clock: 12:22
